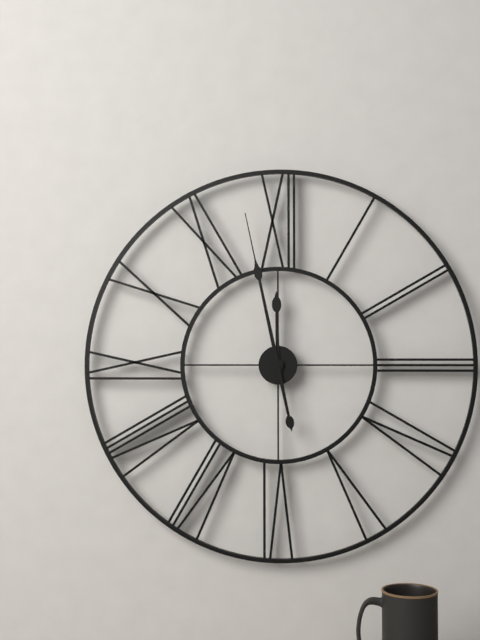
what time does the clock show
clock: 11:58
